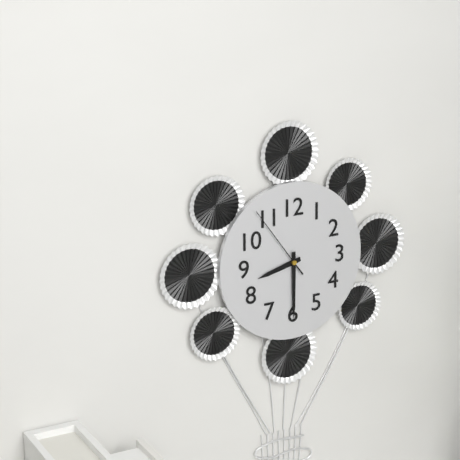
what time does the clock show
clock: 8:30:54
